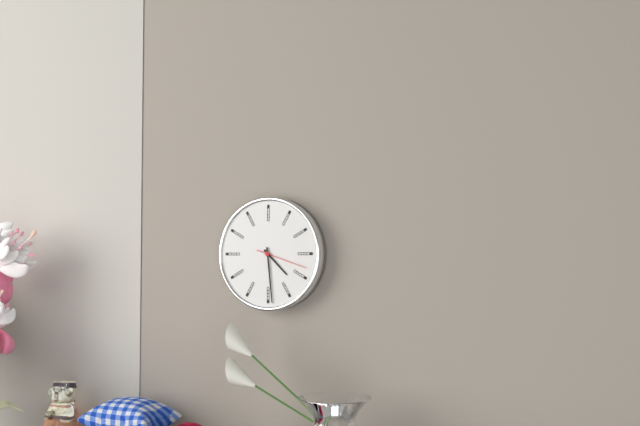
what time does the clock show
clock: 4:29:18
